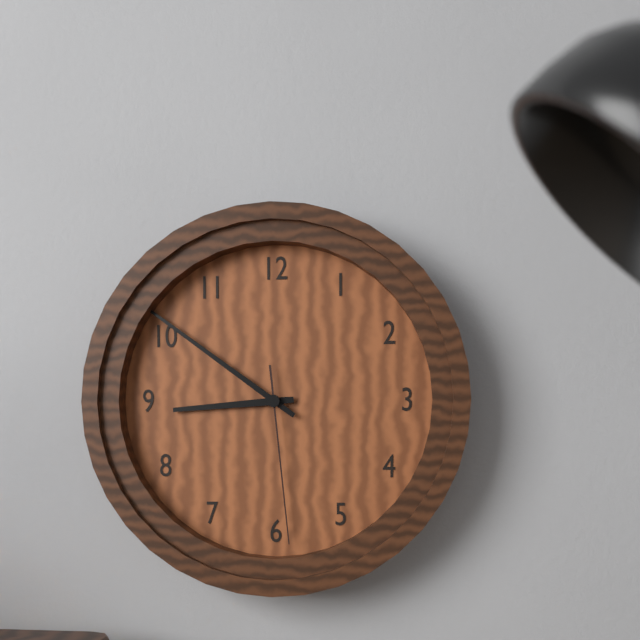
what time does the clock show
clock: 8:51:29
